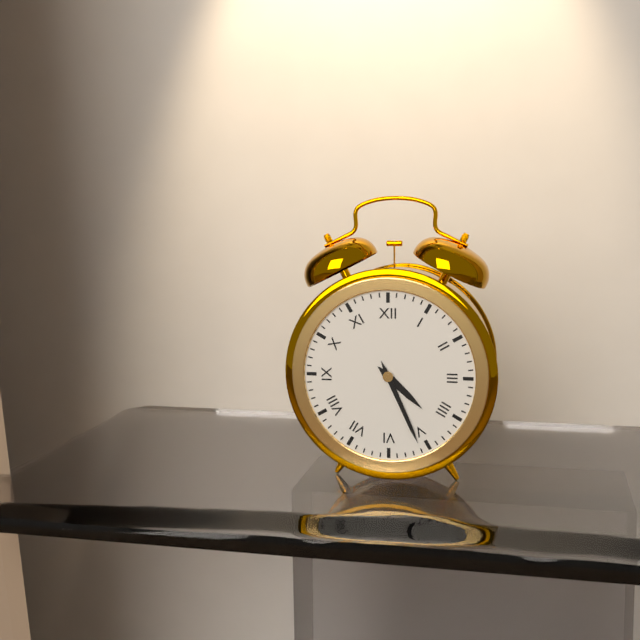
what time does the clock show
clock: 4:26
